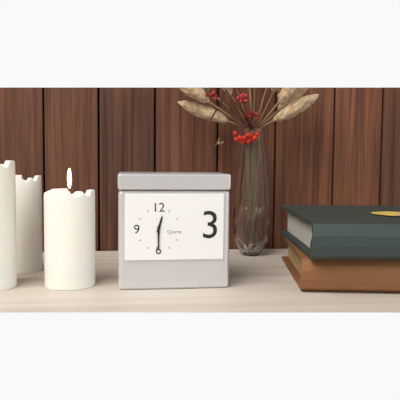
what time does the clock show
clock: 12:30
